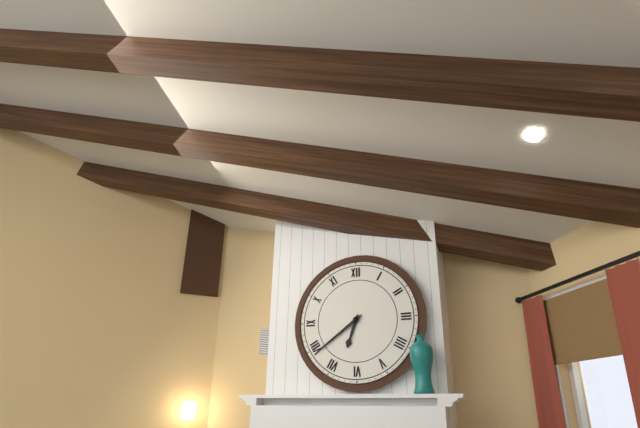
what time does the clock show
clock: 6:39
